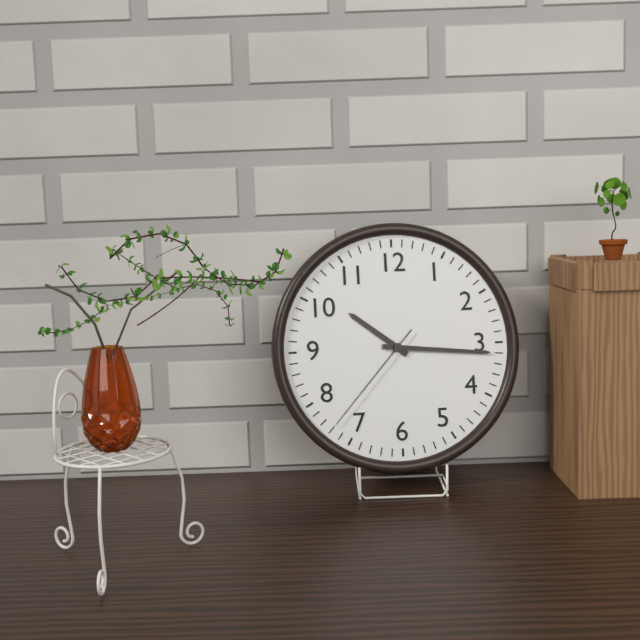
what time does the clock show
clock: 10:16:37
